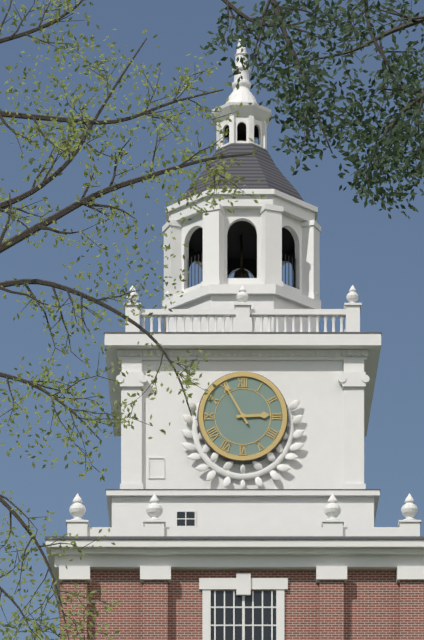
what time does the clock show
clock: 2:55
